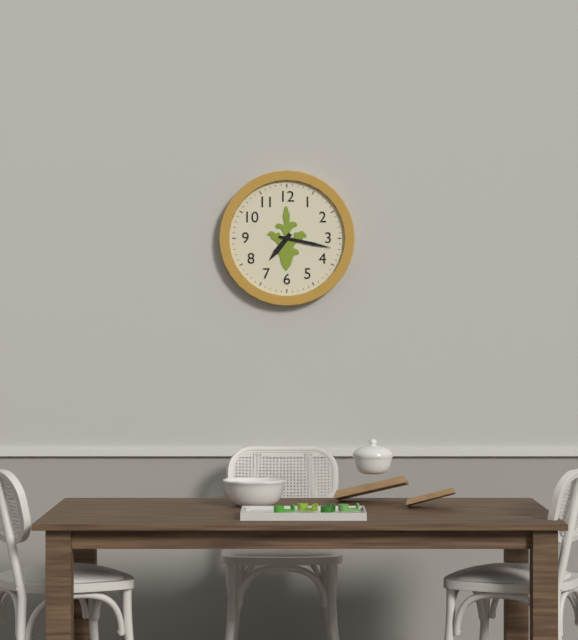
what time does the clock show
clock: 7:17
